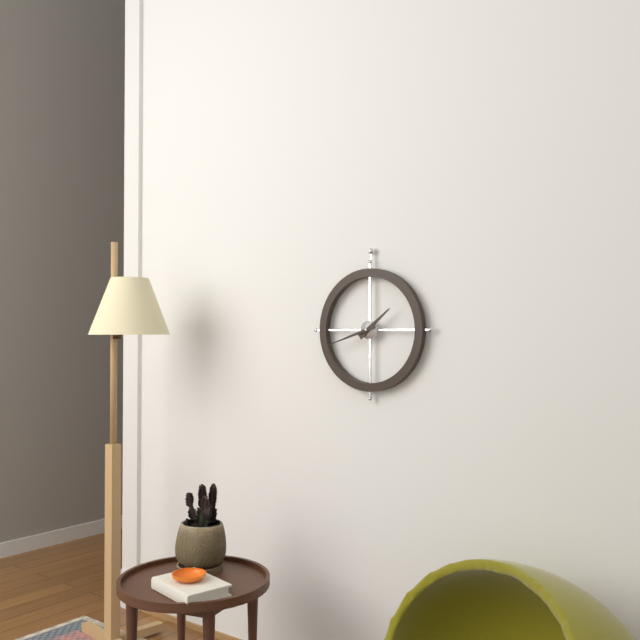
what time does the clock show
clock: 1:42
